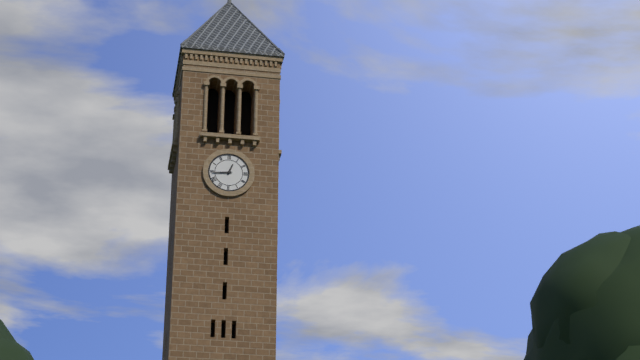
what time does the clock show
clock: 12:44
